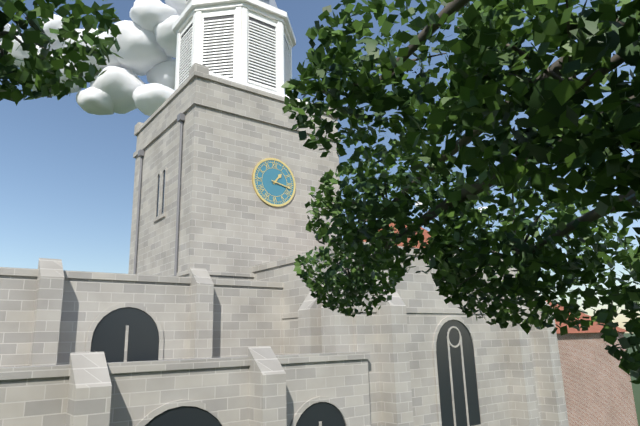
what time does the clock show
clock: 1:17
